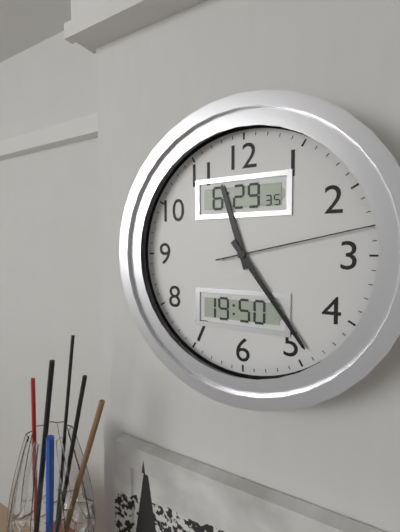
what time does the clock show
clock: 11:24:13
